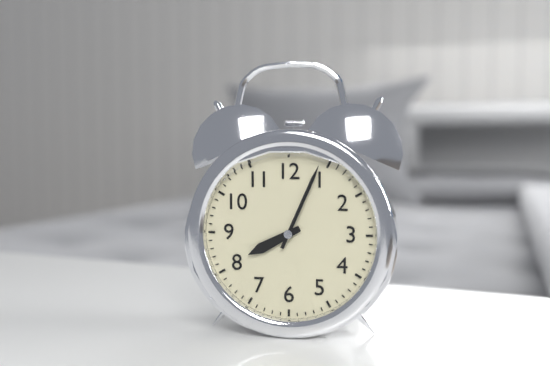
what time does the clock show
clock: 8:04
